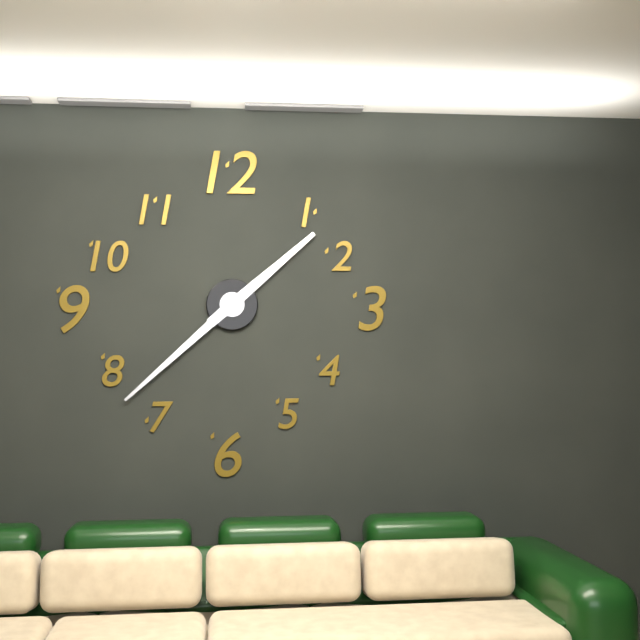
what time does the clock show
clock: 1:38
